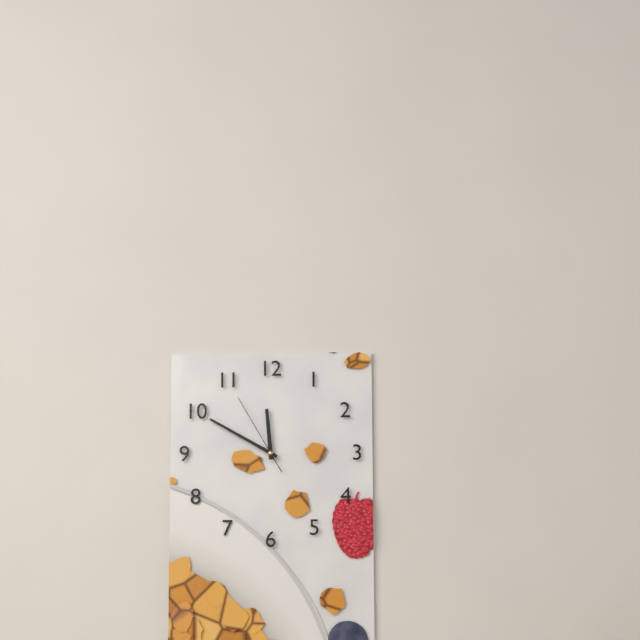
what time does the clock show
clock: 11:50:55
